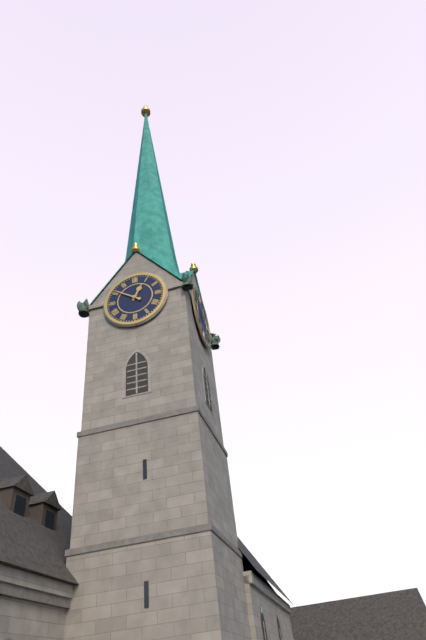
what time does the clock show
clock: 12:51
